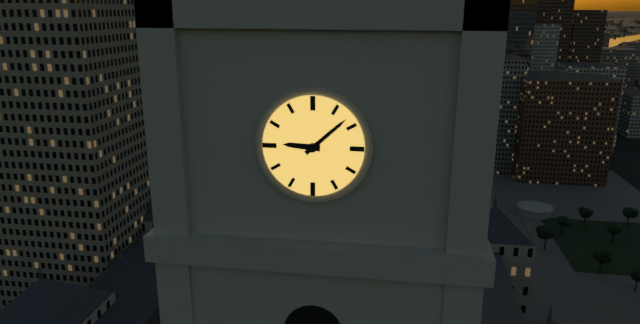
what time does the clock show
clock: 9:08
